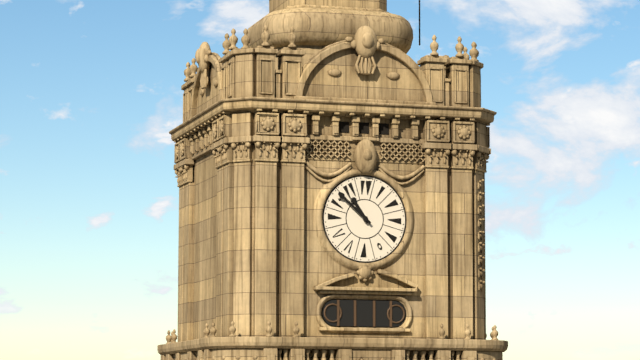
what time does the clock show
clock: 10:52
